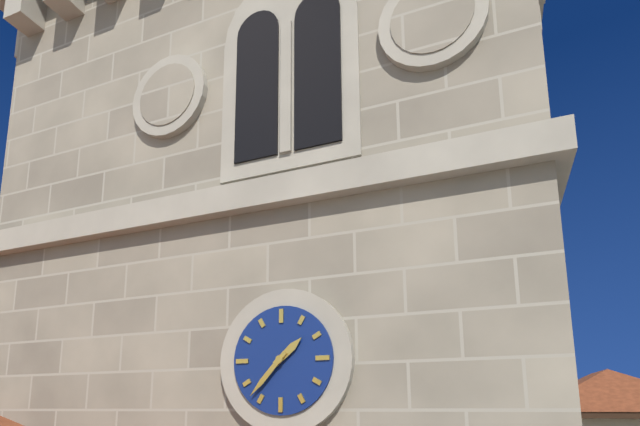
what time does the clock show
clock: 1:37
